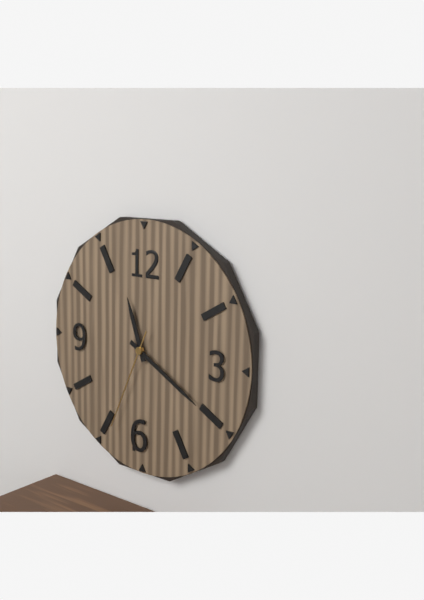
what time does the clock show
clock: 11:20:34
